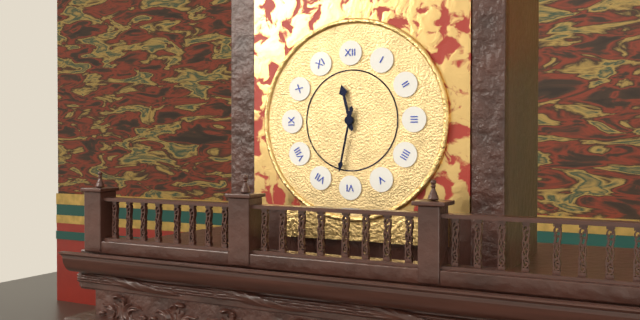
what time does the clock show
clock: 11:32
